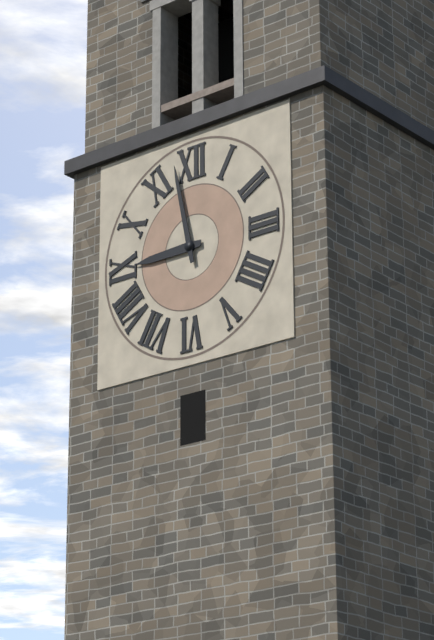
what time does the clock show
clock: 8:58
